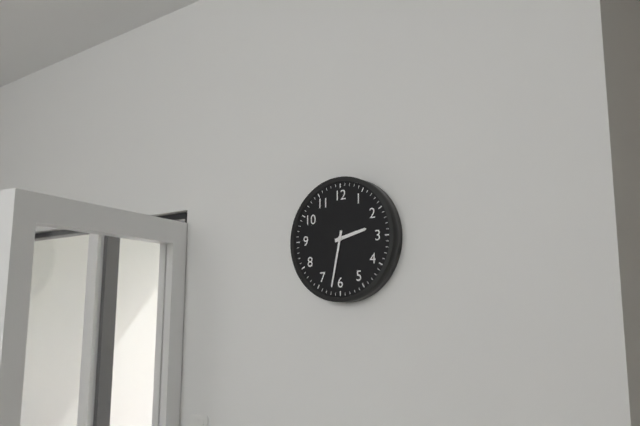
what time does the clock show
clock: 2:32
